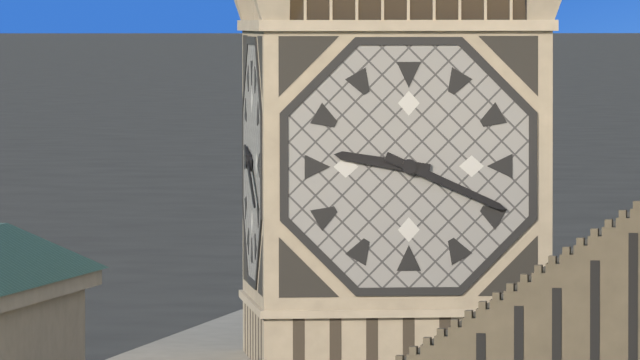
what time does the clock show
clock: 9:19
